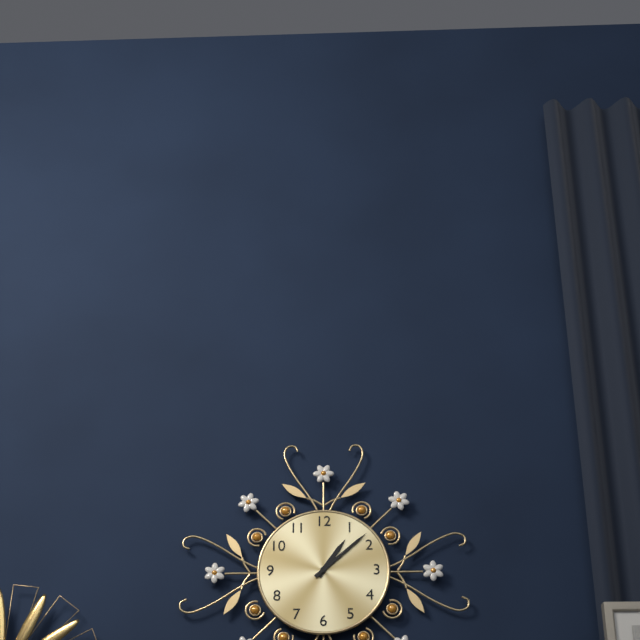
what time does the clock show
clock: 1:08
